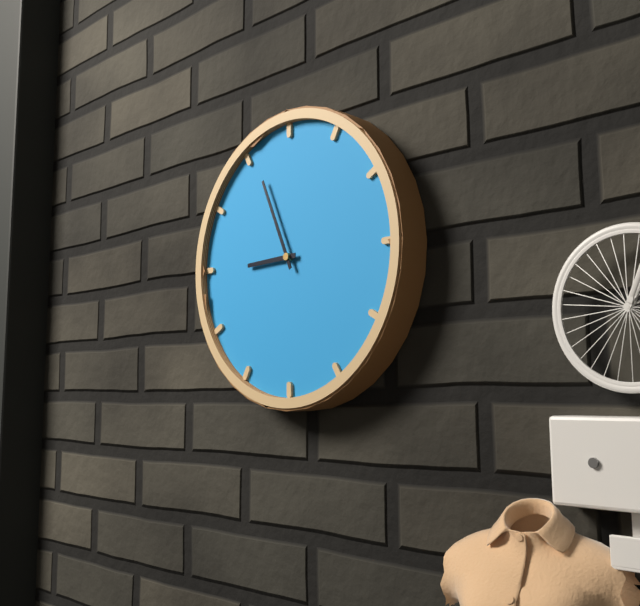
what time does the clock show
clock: 8:56
